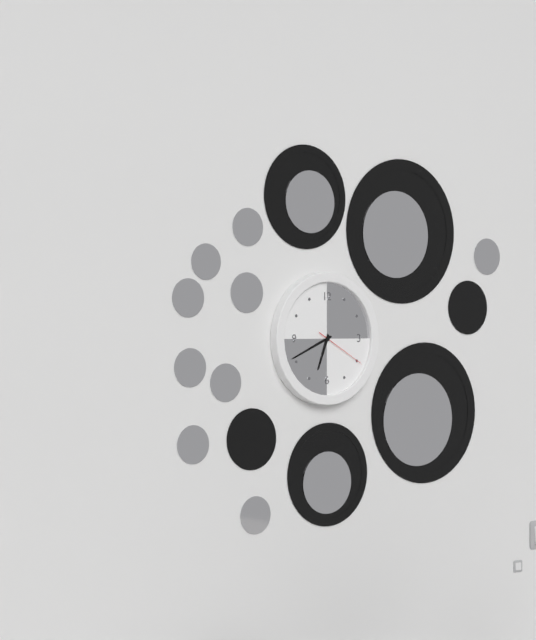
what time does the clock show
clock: 6:41:20
